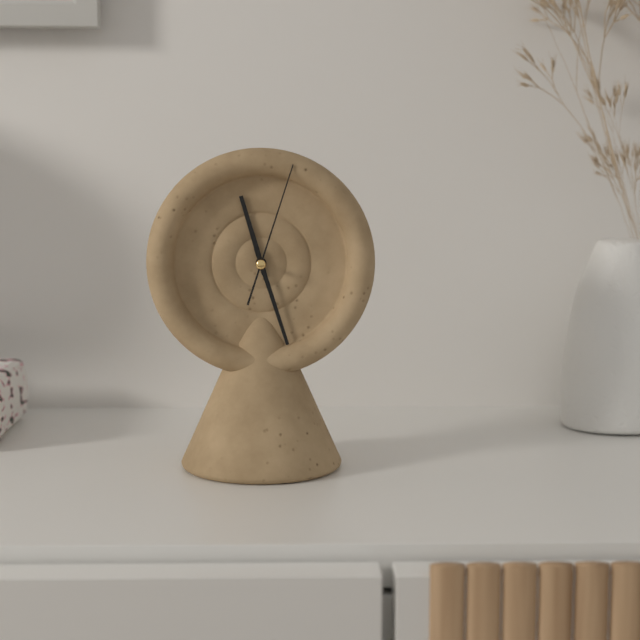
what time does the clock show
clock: 11:27:03
